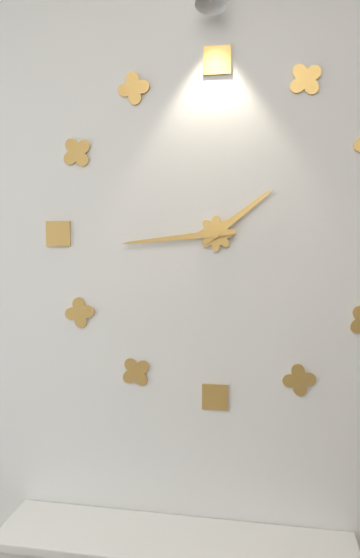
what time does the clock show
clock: 1:44
